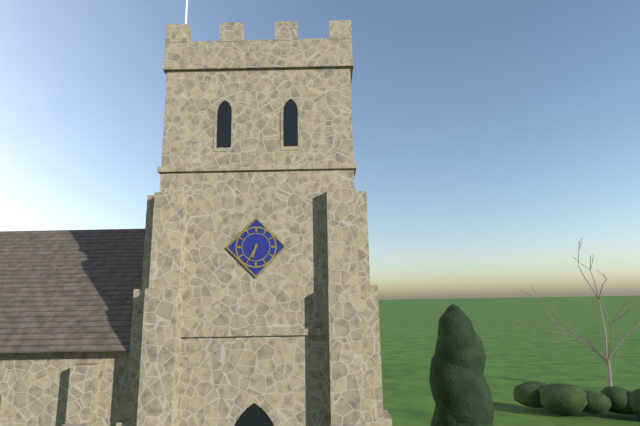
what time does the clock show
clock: 6:35
